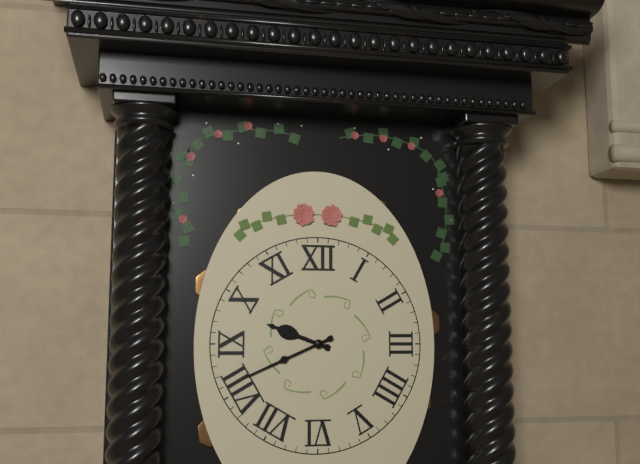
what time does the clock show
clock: 9:41
